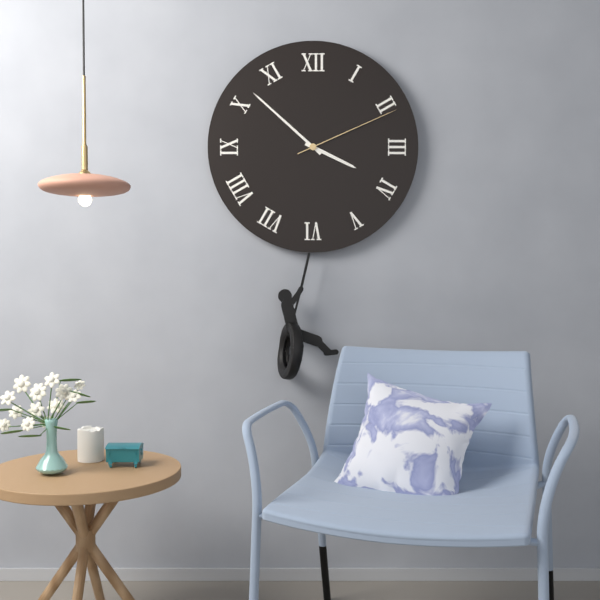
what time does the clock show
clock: 3:52:11
